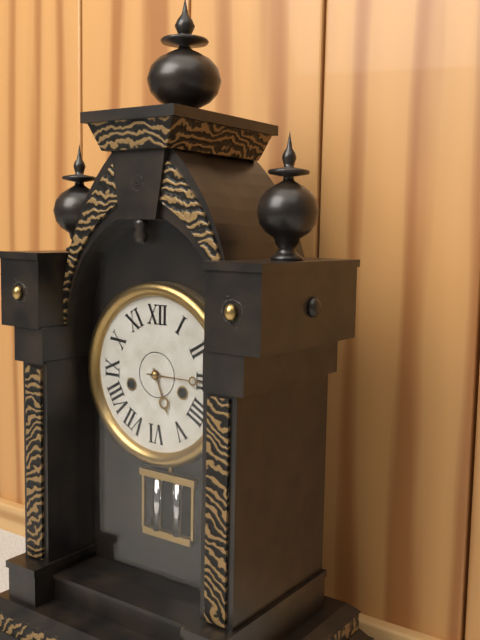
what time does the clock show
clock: 5:15
